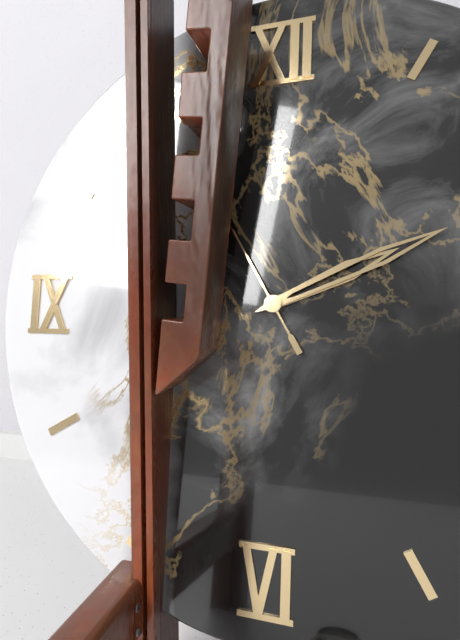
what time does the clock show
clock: 2:11
